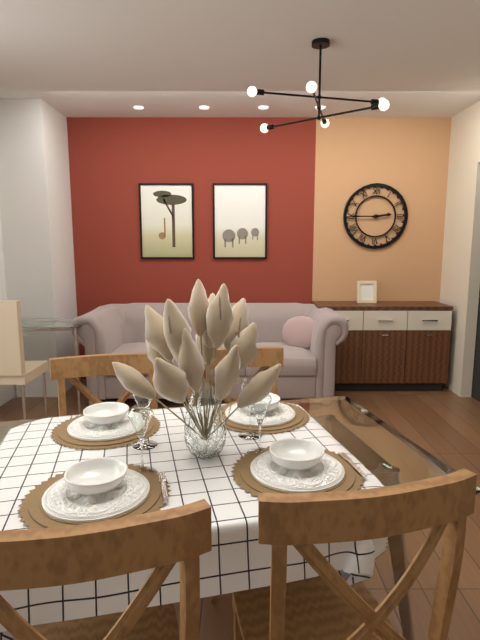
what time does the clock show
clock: 2:45
